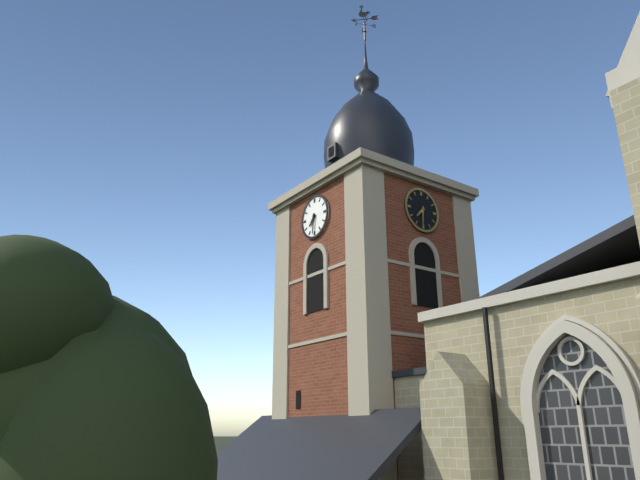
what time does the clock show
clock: 7:31
